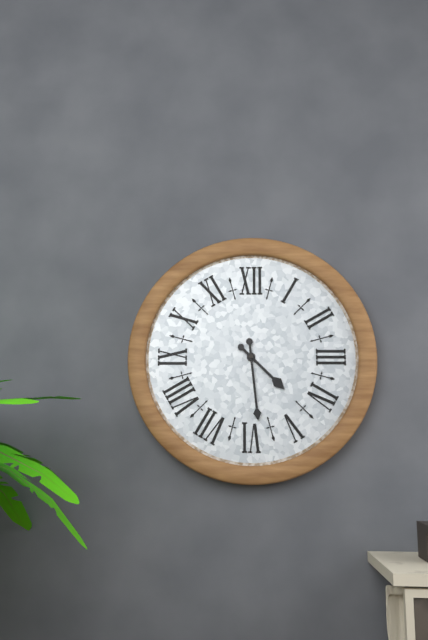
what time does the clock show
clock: 4:29
